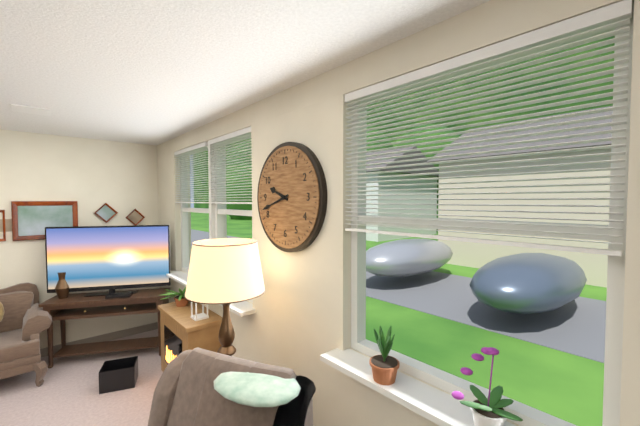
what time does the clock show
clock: 9:42
